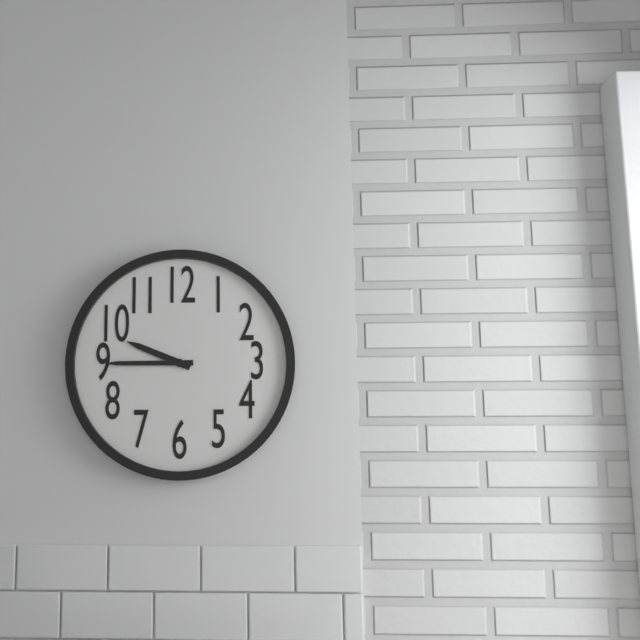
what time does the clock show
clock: 9:45
